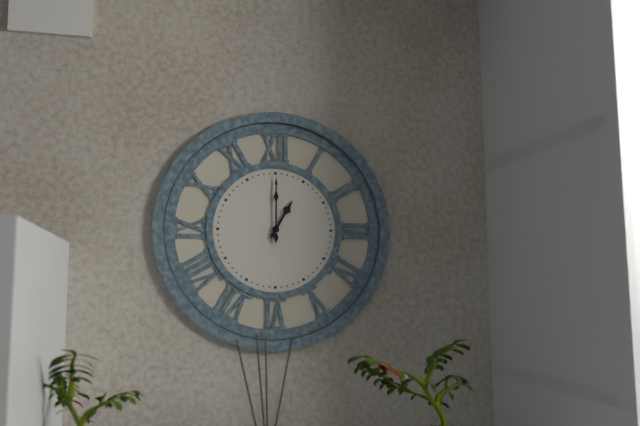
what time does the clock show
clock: 1:00
